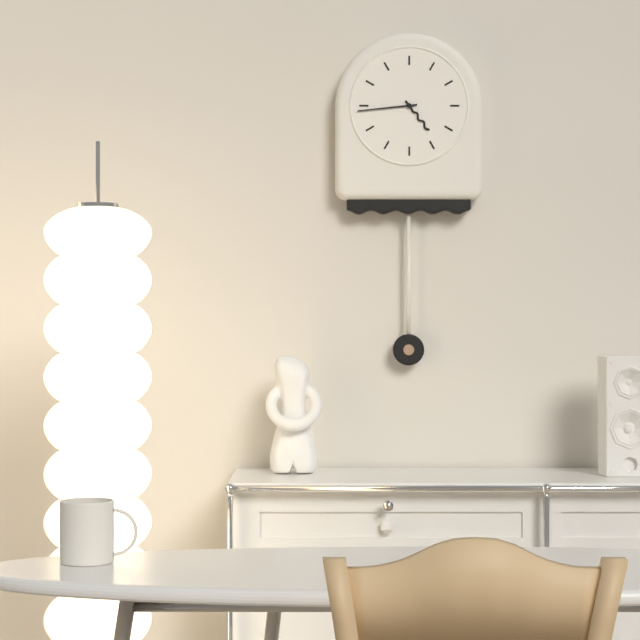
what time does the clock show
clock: 4:44
